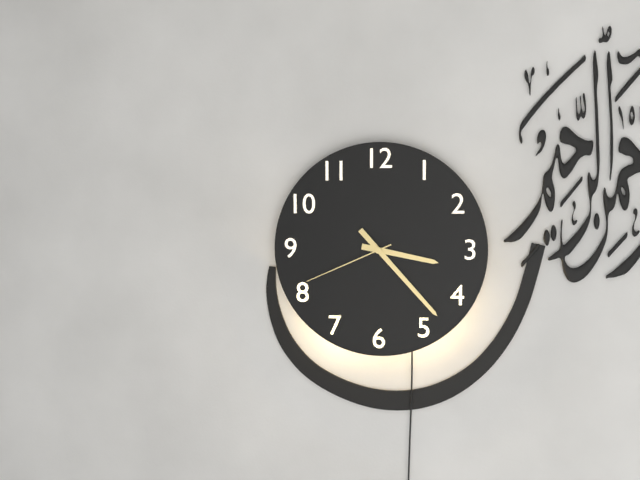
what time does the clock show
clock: 3:23:41
